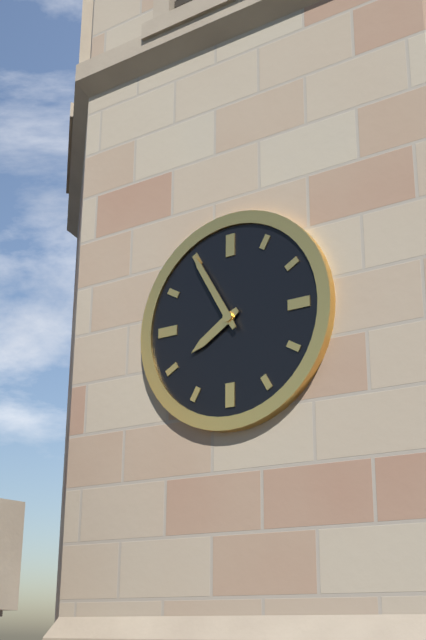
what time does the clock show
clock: 7:55
